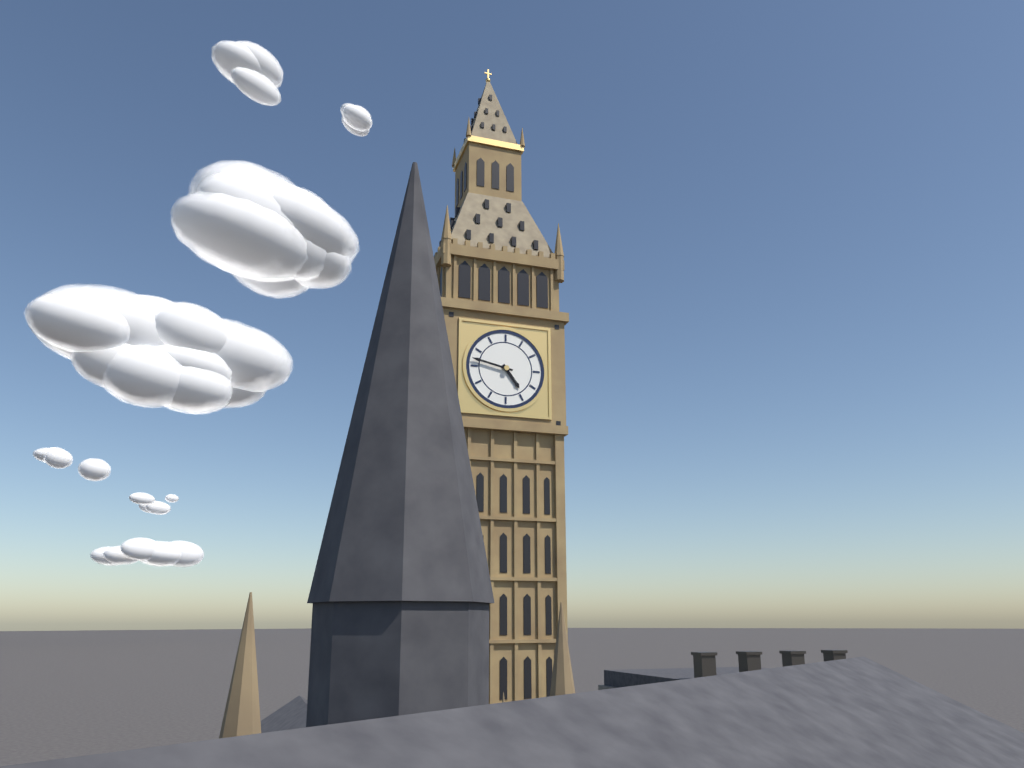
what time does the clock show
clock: 4:47
